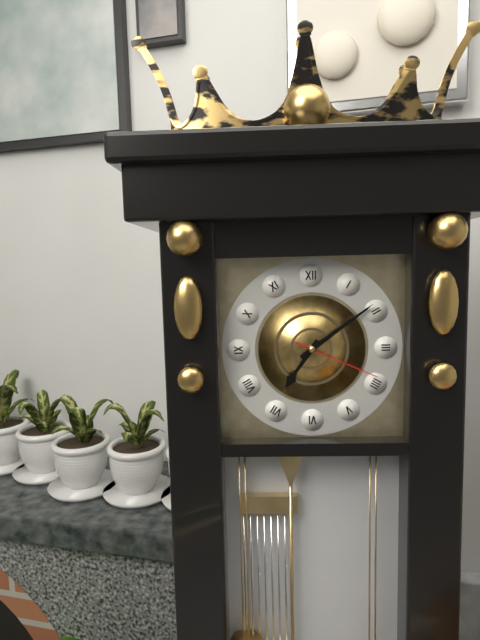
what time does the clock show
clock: 7:09:19
